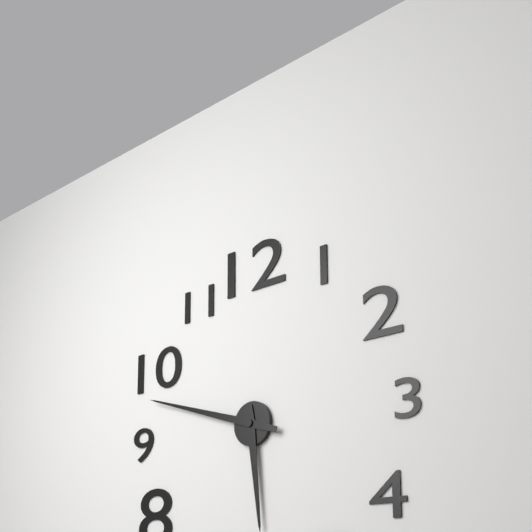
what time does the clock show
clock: 5:48
